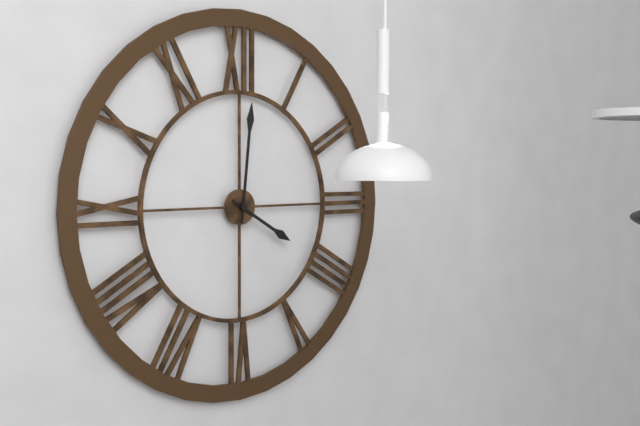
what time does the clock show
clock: 4:01
